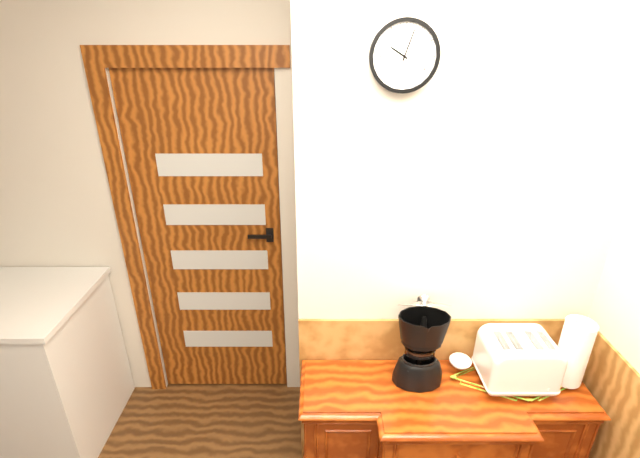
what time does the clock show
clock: 10:03
